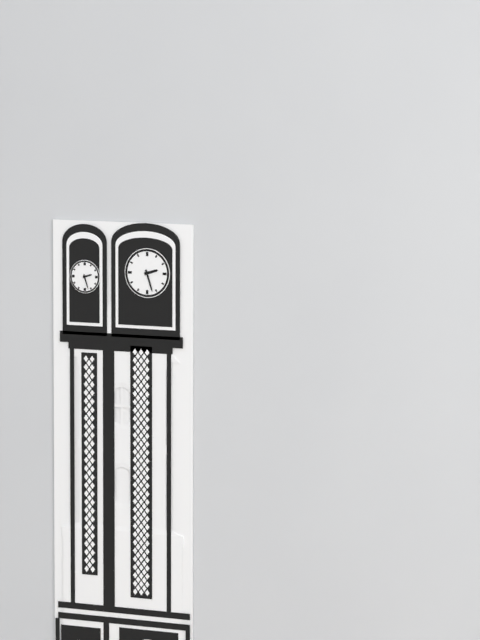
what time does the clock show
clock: 2:27
